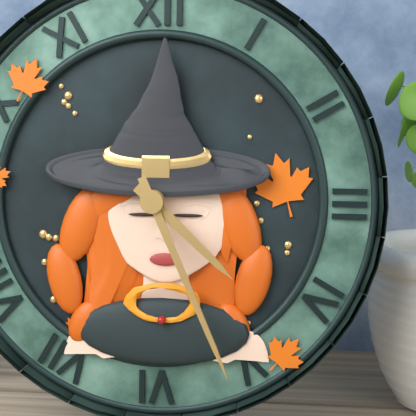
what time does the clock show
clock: 4:26
